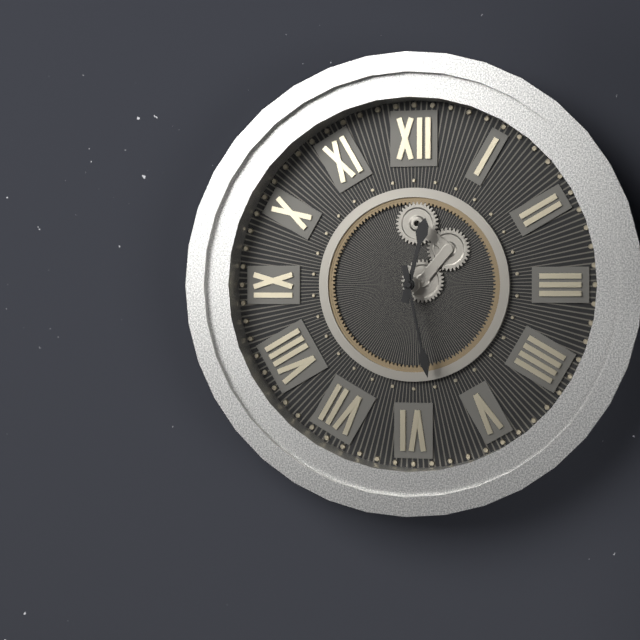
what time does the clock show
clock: 12:28
